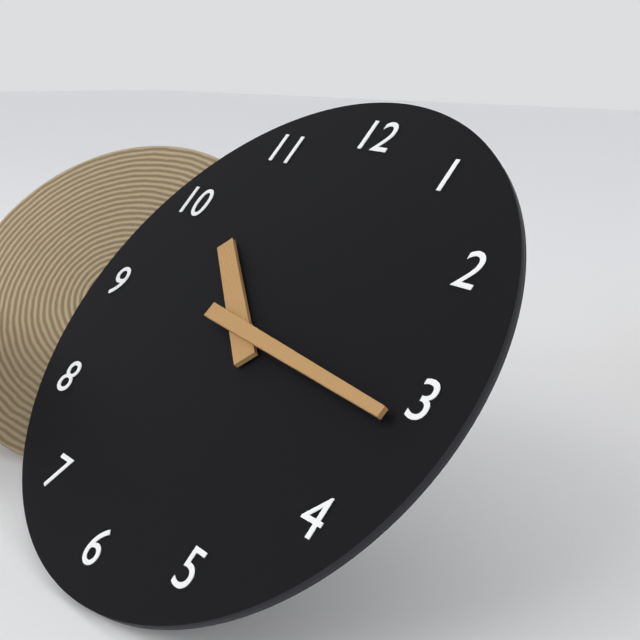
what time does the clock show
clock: 10:16
